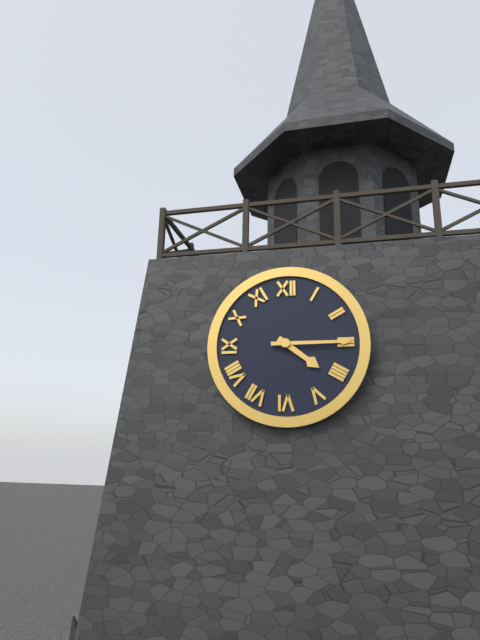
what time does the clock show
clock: 4:15
